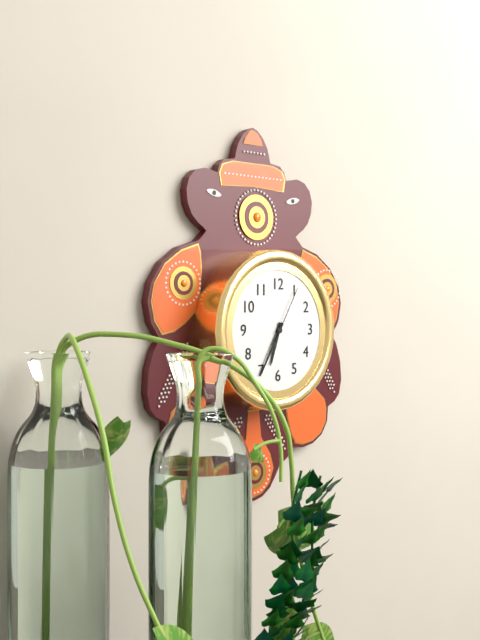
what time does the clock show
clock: 6:35:05
